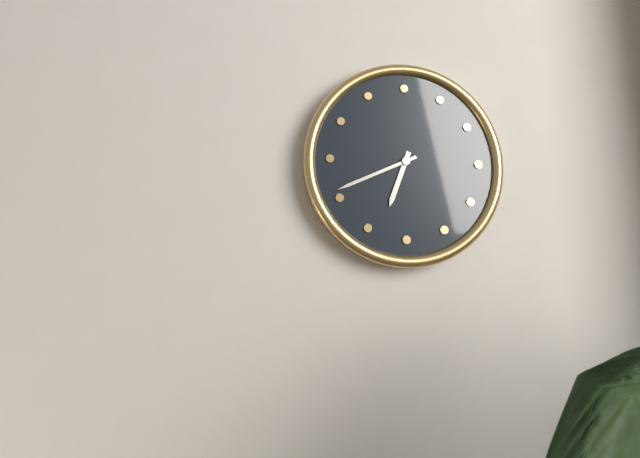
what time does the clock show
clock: 6:41
